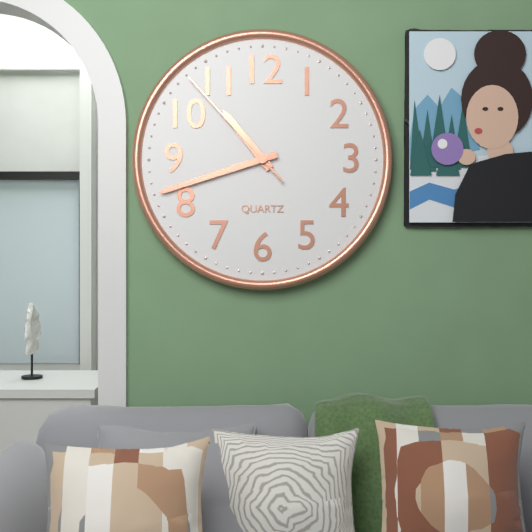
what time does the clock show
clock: 10:42:53
